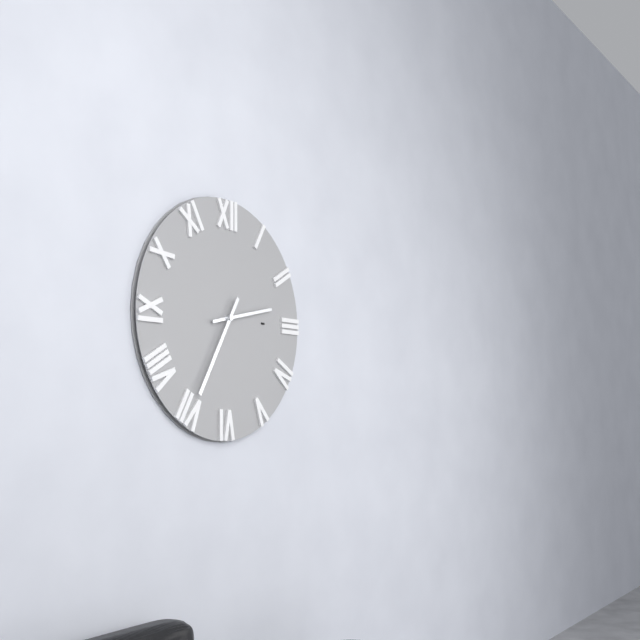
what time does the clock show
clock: 2:35
